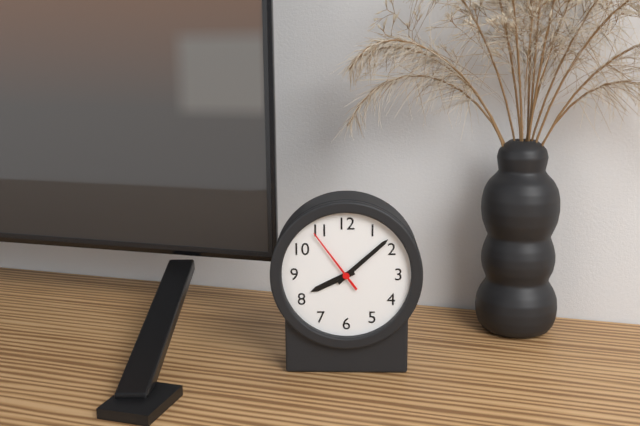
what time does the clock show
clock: 8:08:54
